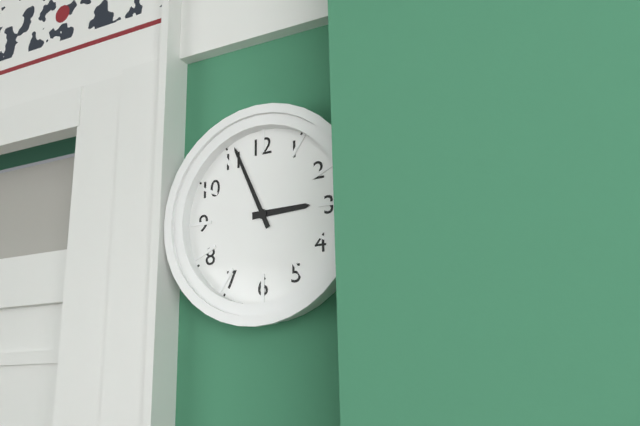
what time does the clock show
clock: 2:56
